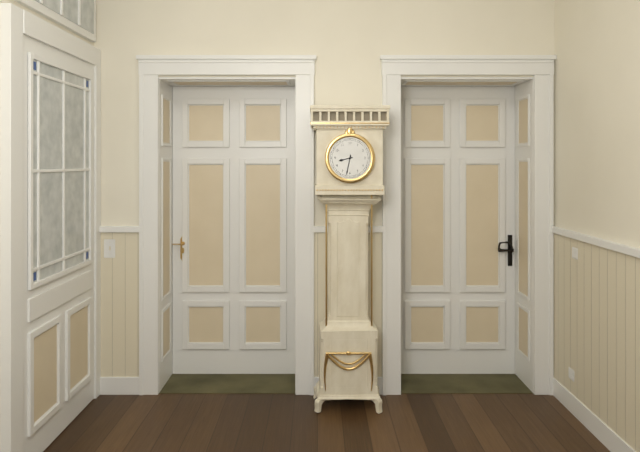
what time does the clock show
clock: 8:32
